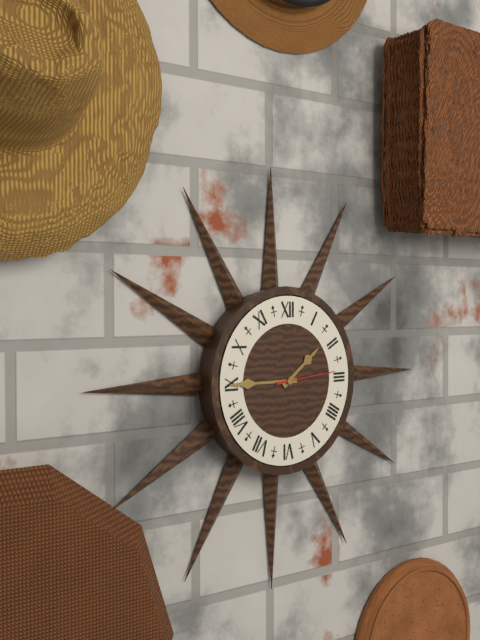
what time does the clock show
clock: 1:45:14
